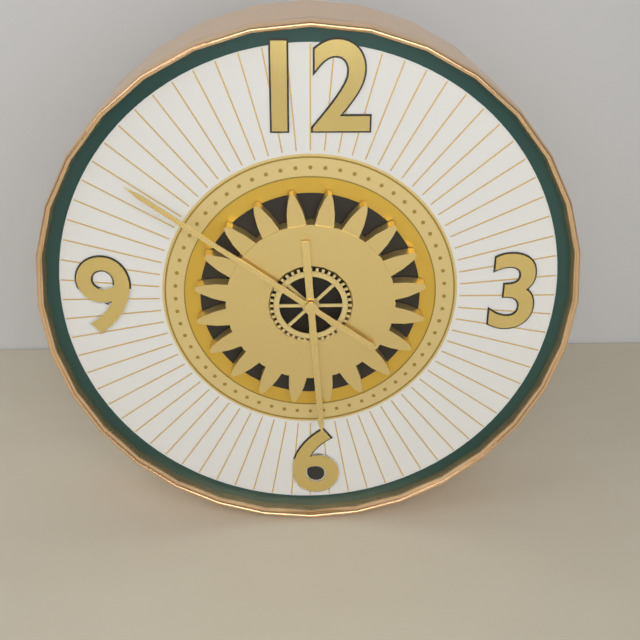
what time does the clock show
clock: 5:51
